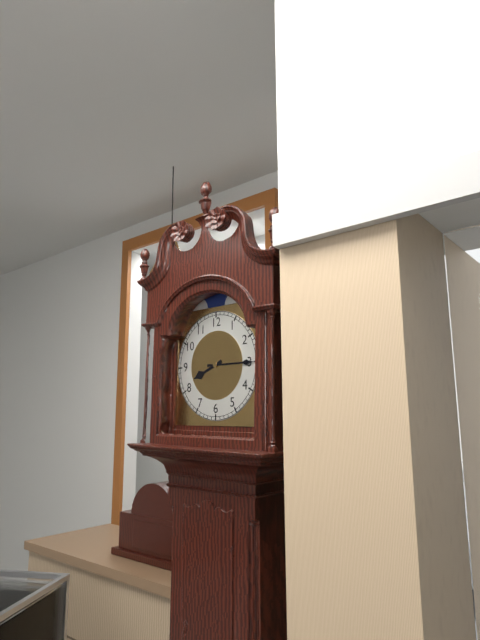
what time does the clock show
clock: 8:15
